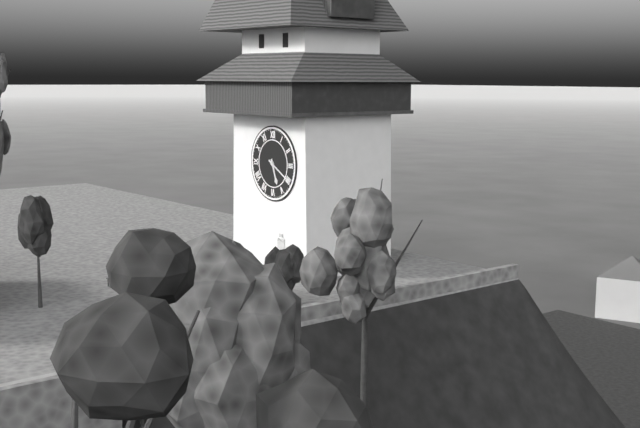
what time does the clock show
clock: 5:20
